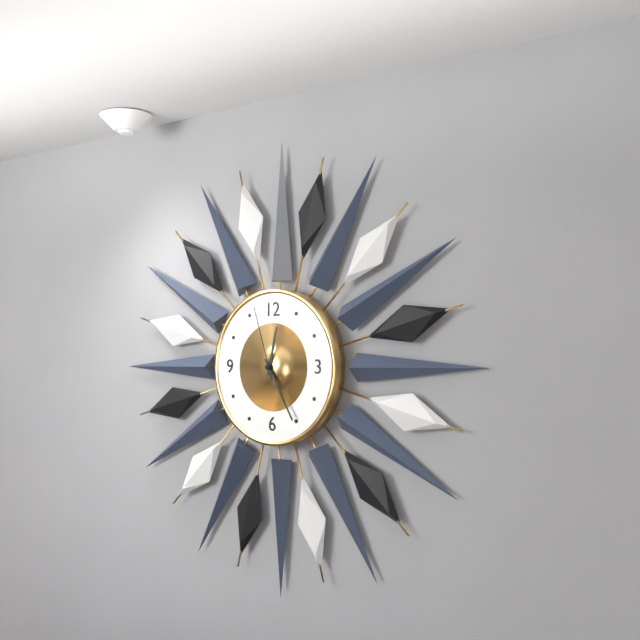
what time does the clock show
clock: 12:25:57
